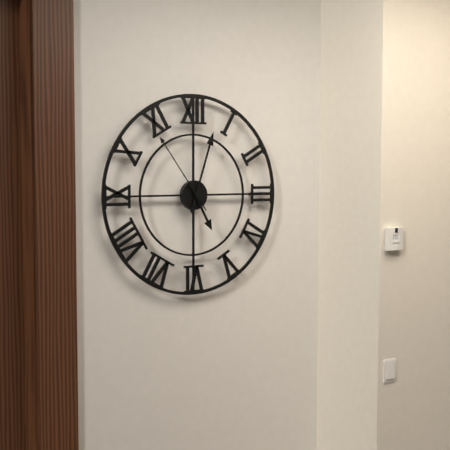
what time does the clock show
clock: 5:03:54
